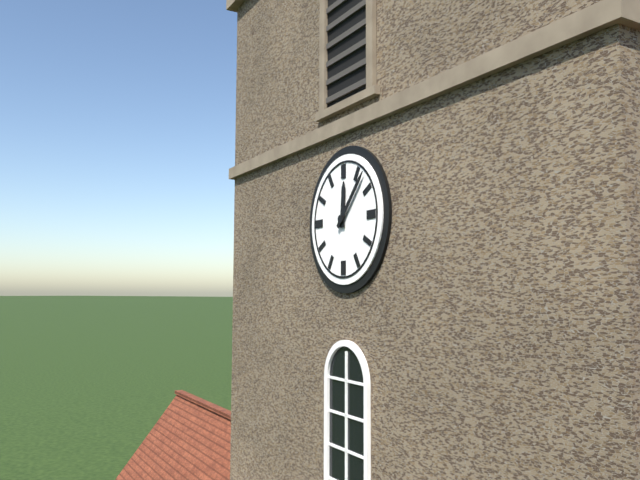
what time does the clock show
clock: 12:07
